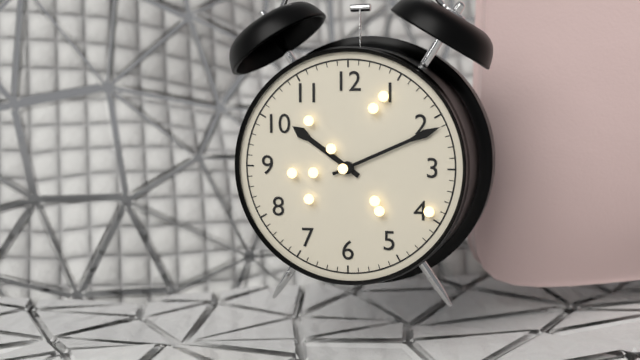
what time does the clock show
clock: 10:11
